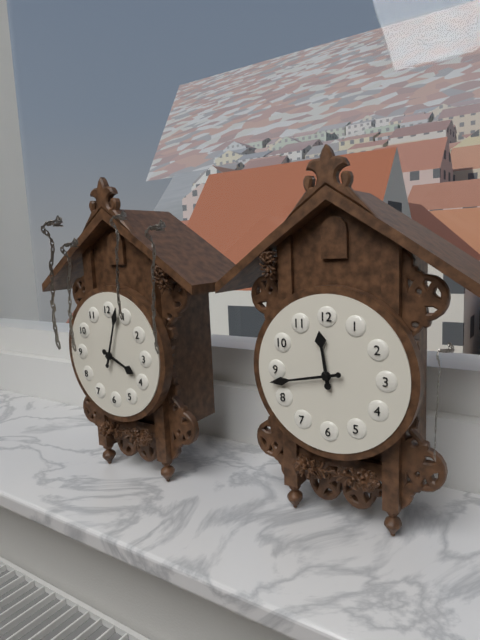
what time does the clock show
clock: 11:43
